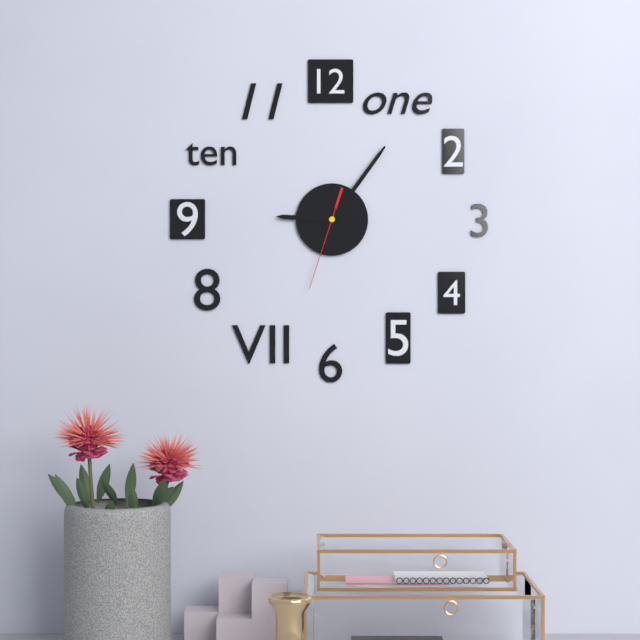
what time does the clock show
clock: 9:06:33
